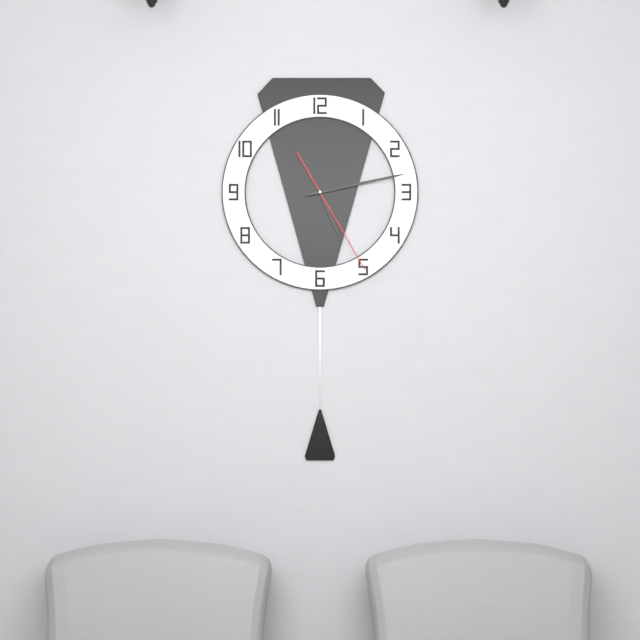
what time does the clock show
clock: 5:13:25
